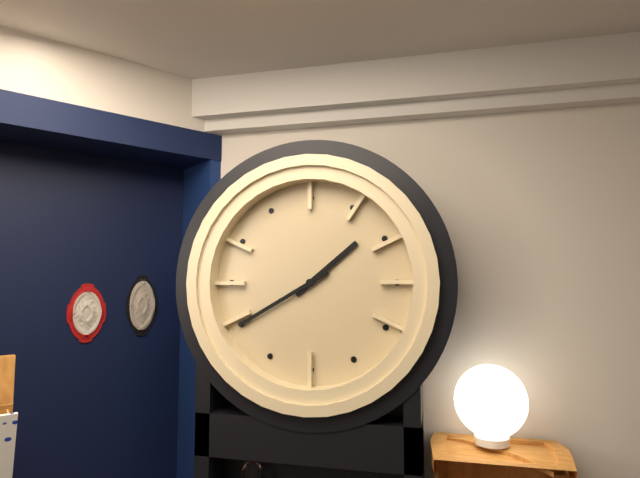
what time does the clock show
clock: 1:40
